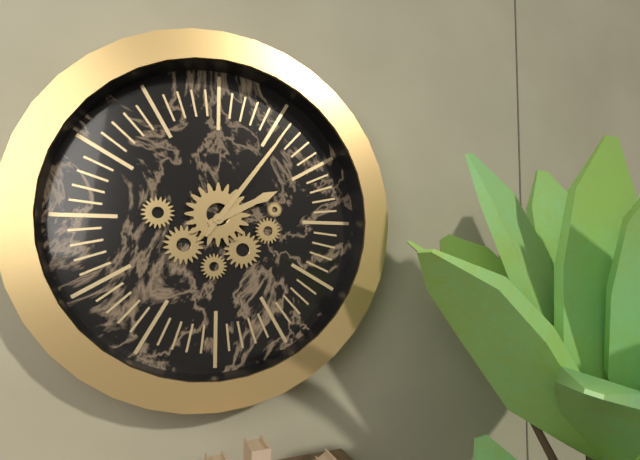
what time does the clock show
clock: 2:06
